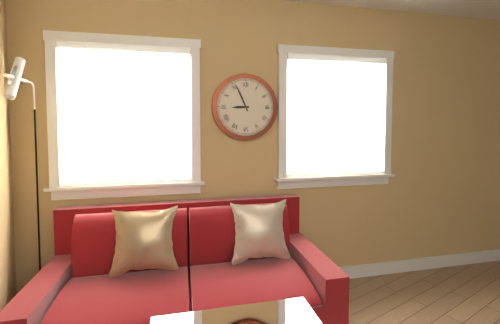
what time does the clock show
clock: 8:56
